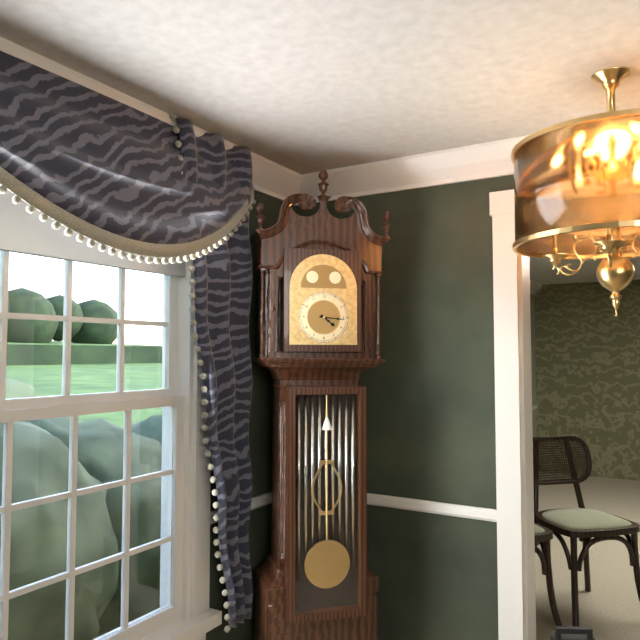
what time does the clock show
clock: 4:16
